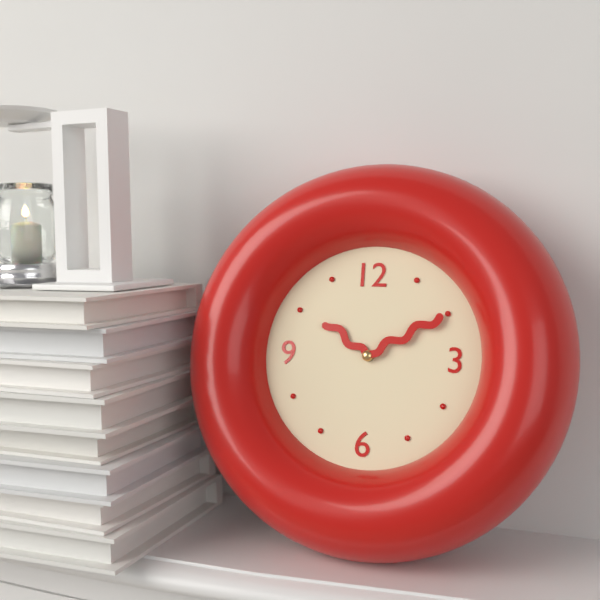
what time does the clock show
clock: 10:10
